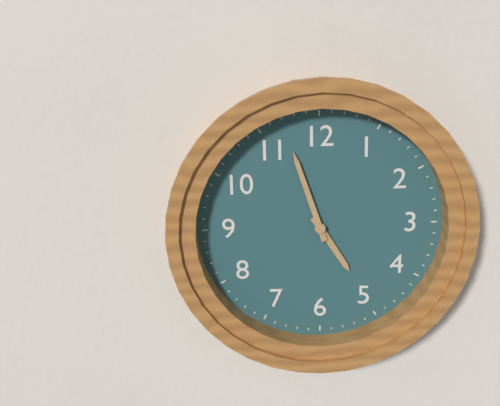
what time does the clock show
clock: 4:57
